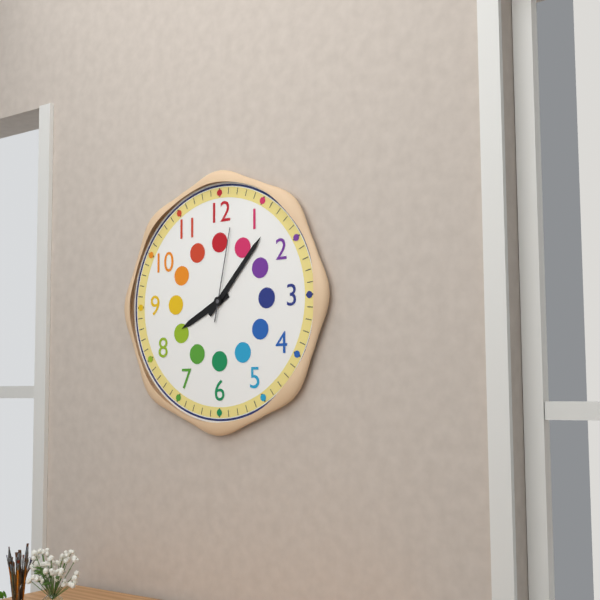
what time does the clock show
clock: 8:07:02
